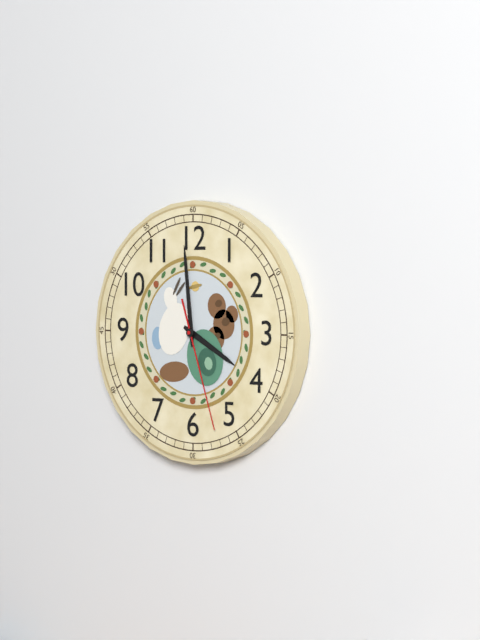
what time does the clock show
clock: 3:59:27
